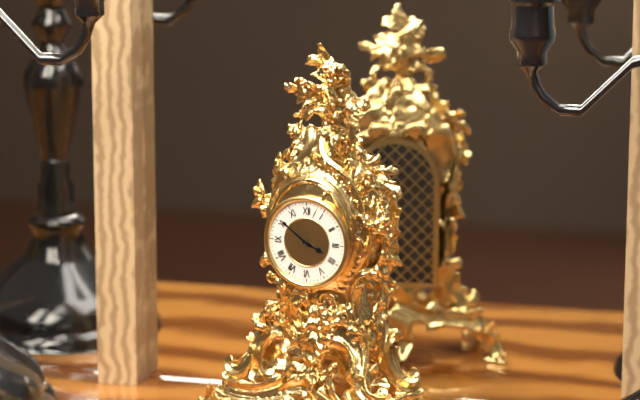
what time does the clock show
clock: 3:51
